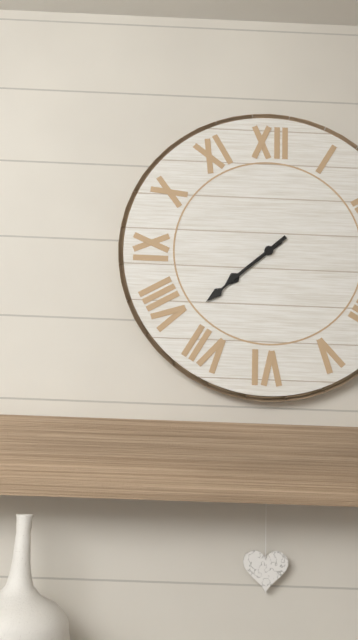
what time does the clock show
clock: 7:38
